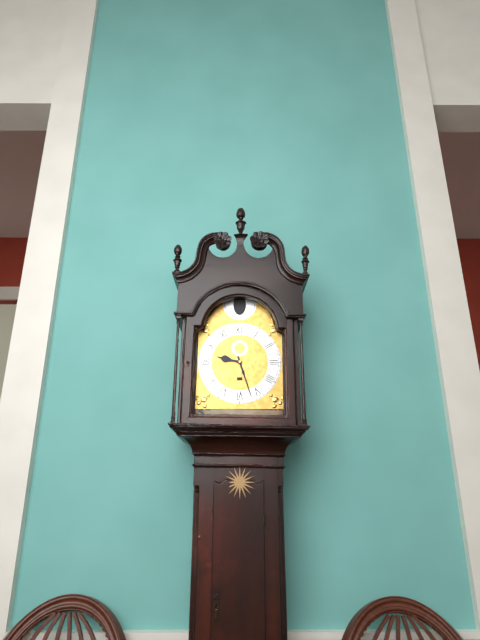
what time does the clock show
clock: 9:27
